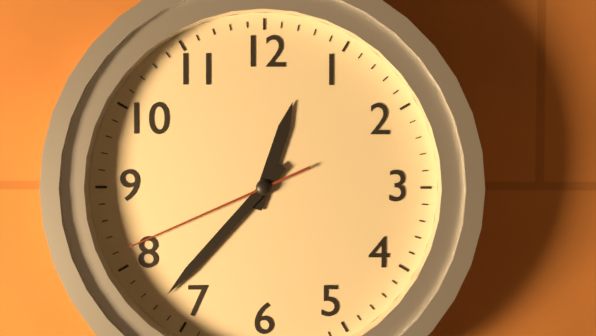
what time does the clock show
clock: 12:37:41
